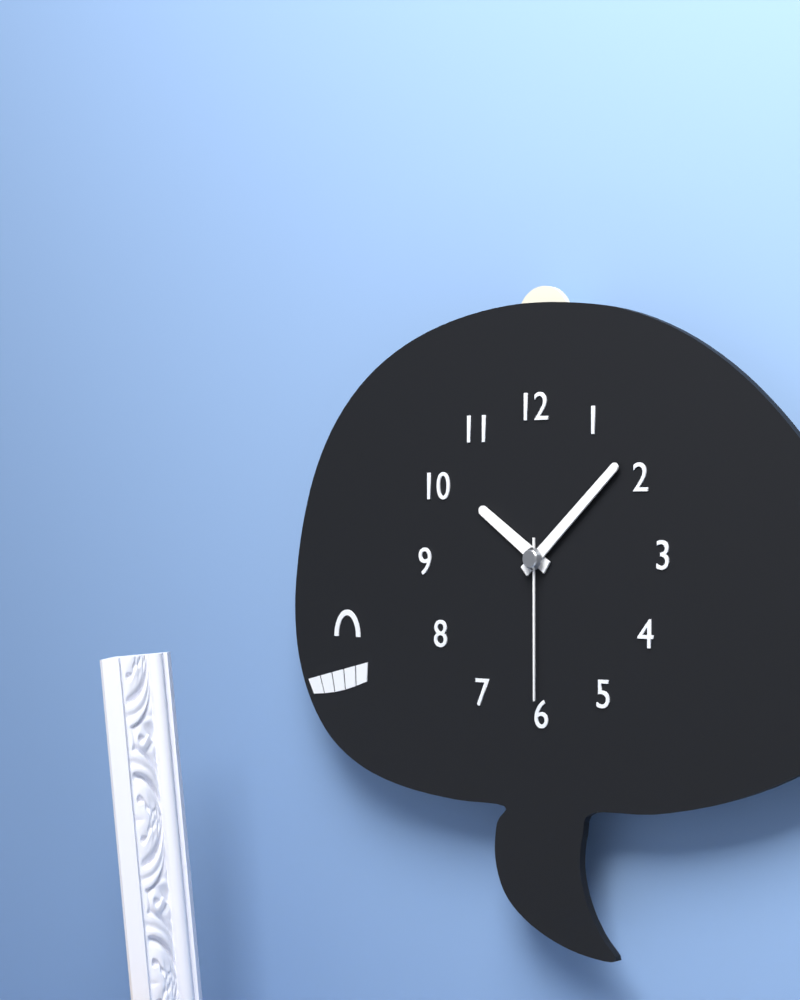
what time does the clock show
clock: 10:08:30
